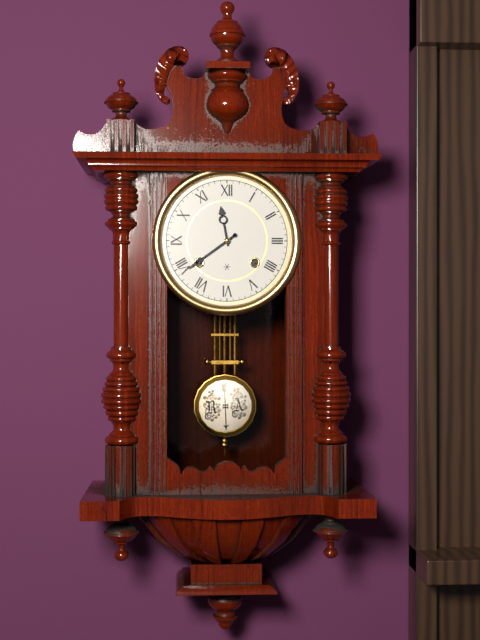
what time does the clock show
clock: 11:39
